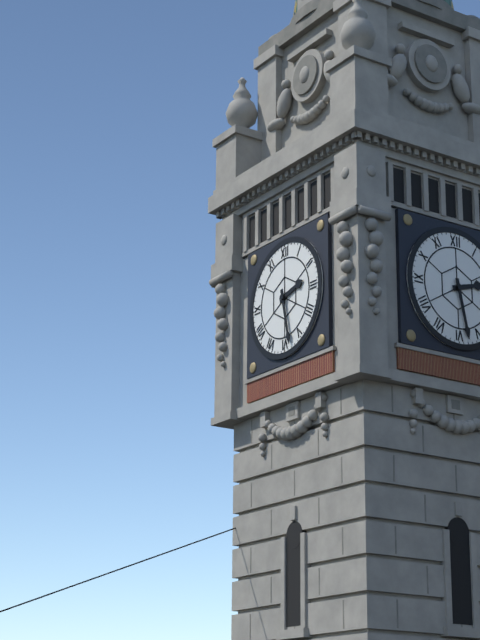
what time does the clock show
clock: 2:28
